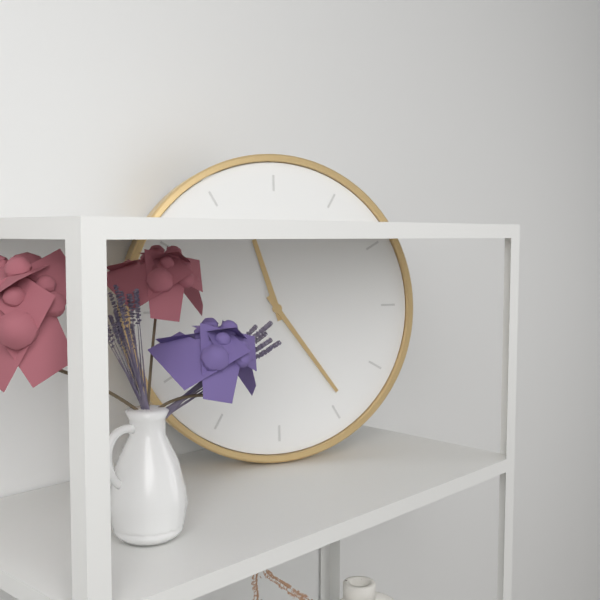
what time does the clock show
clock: 11:24
